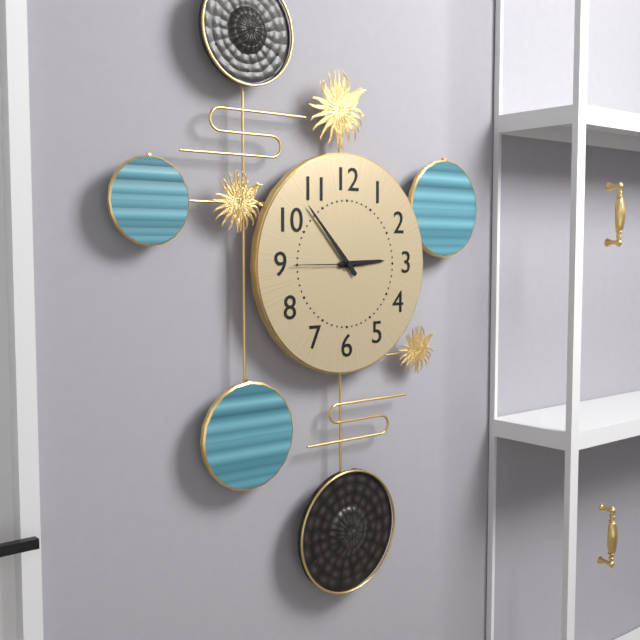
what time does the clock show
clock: 2:53:45
